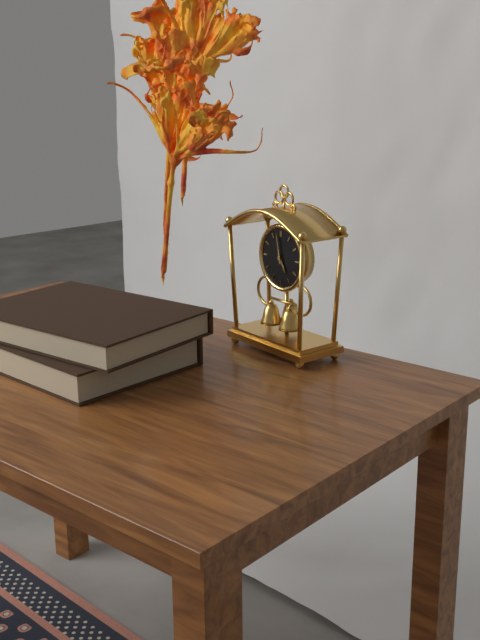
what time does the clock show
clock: 4:58
